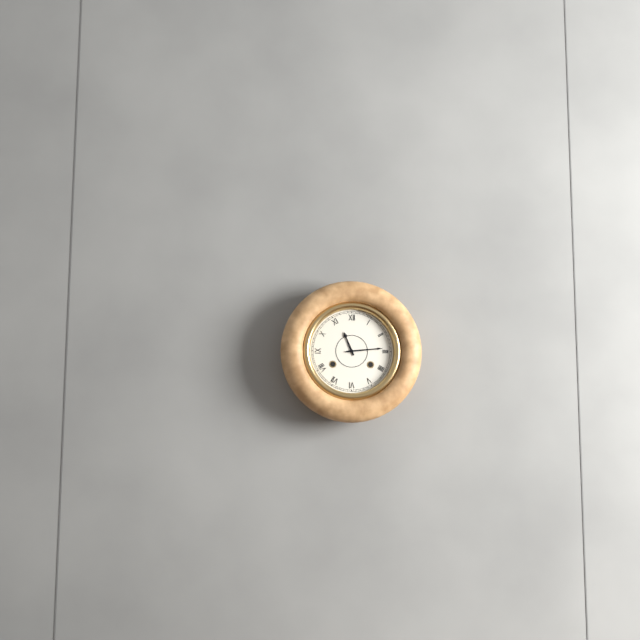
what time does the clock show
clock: 11:14
